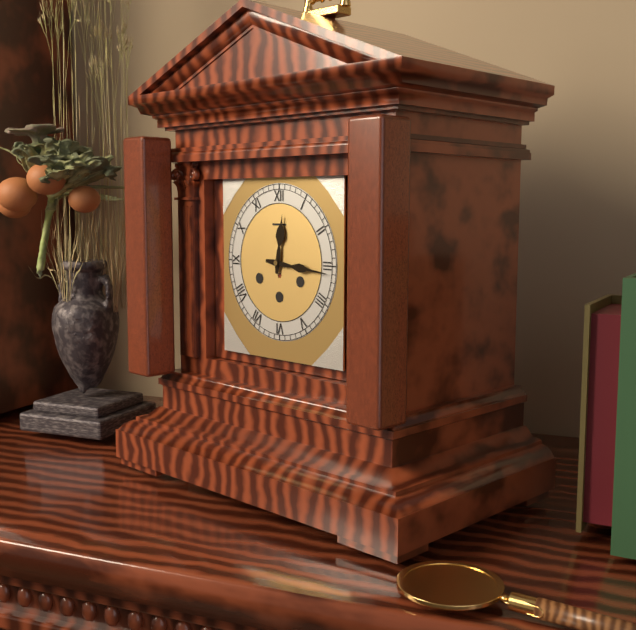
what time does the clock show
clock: 12:16
